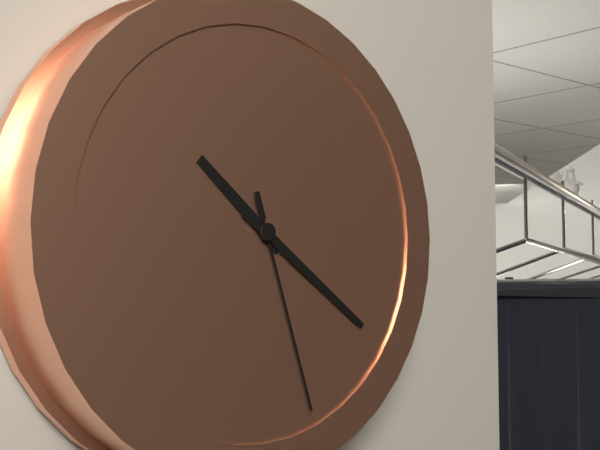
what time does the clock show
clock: 10:21:27
